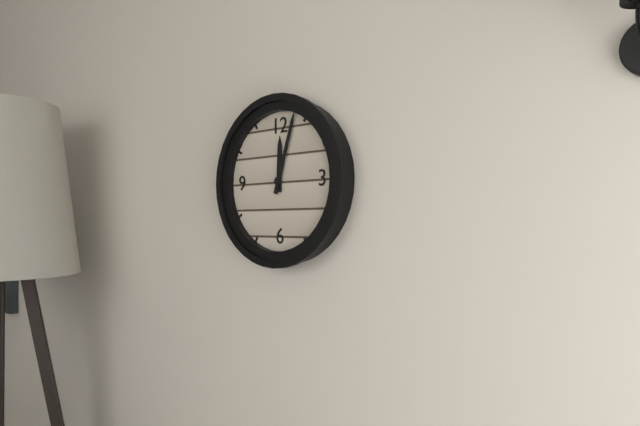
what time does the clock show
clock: 12:03
